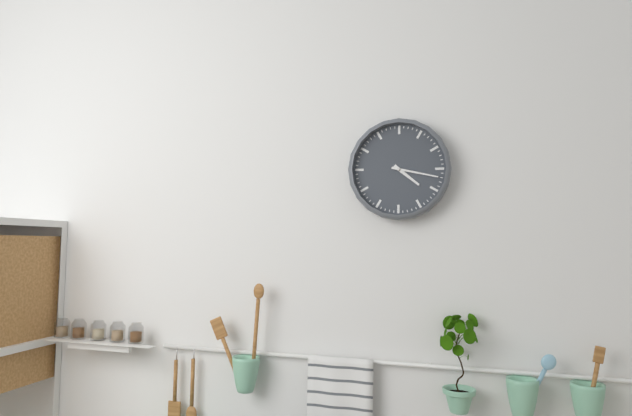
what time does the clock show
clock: 4:17
